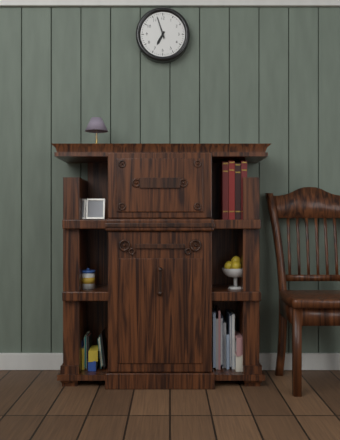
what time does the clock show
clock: 6:57
